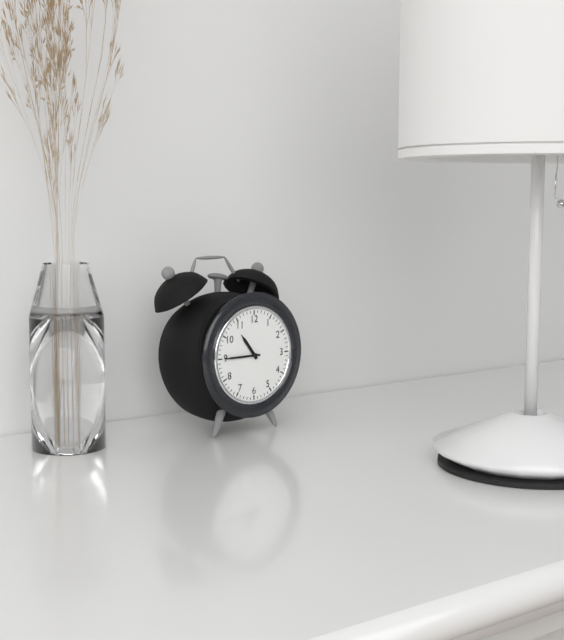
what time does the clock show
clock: 10:45
